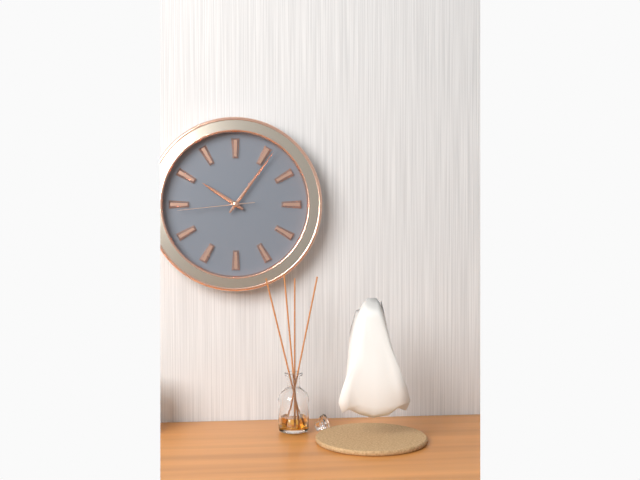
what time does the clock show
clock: 10:06:44
